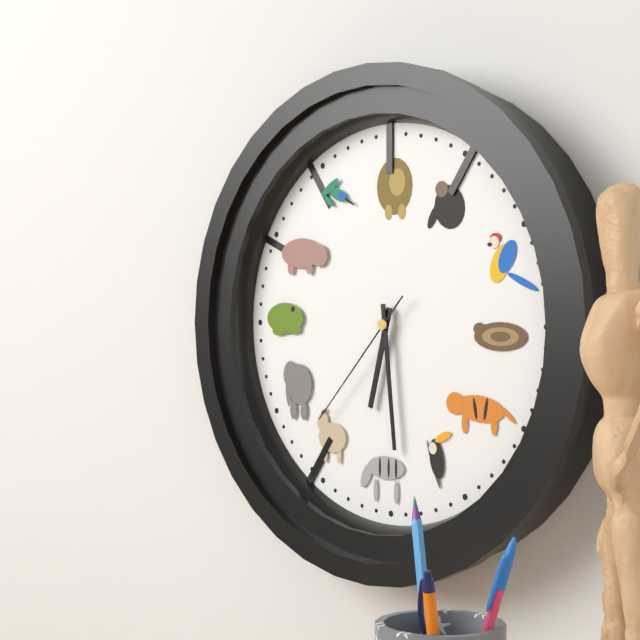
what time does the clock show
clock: 6:29:37
